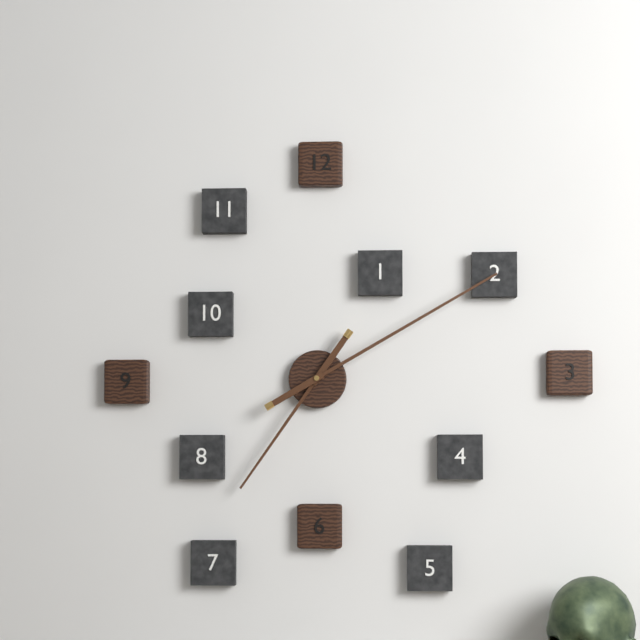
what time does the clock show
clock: 7:10
